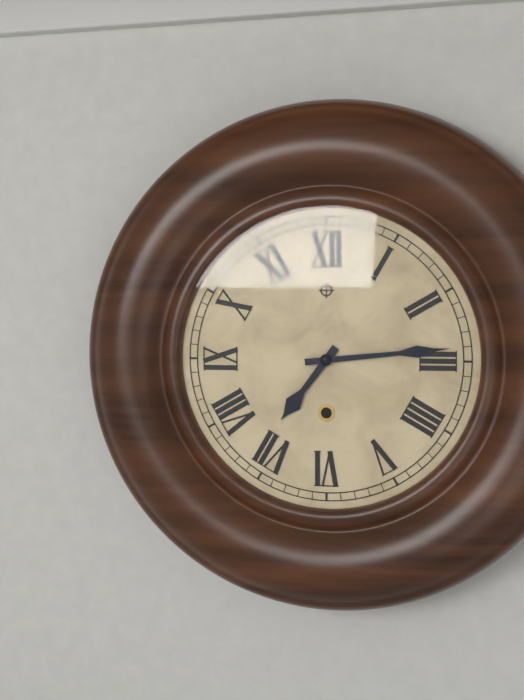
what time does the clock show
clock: 7:14
